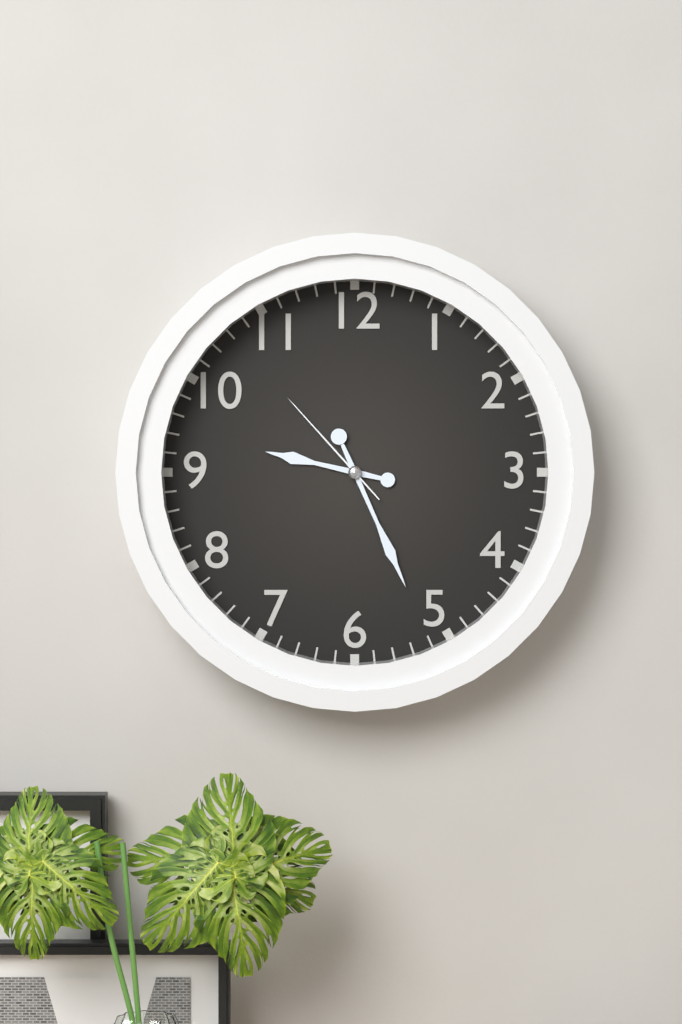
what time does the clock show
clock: 9:26:53
